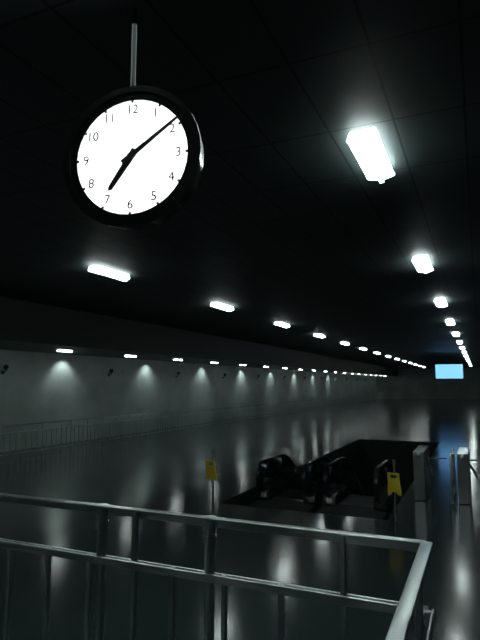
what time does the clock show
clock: 7:09
